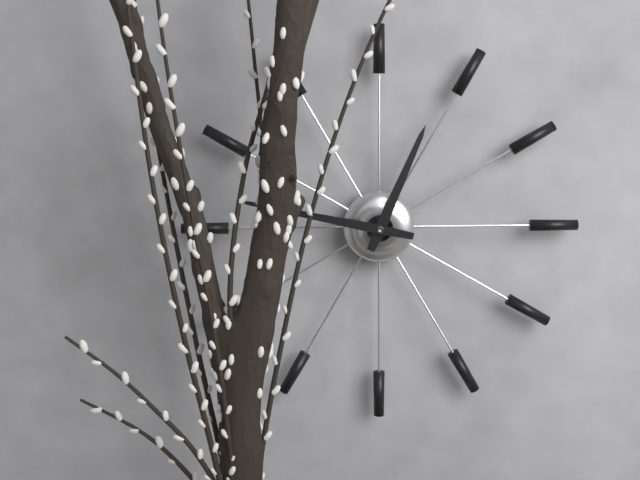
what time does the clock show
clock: 12:47
